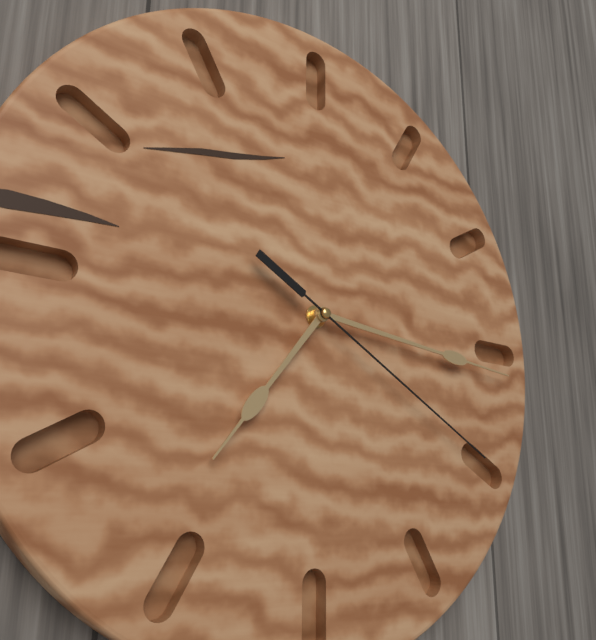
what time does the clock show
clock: 7:16:20
